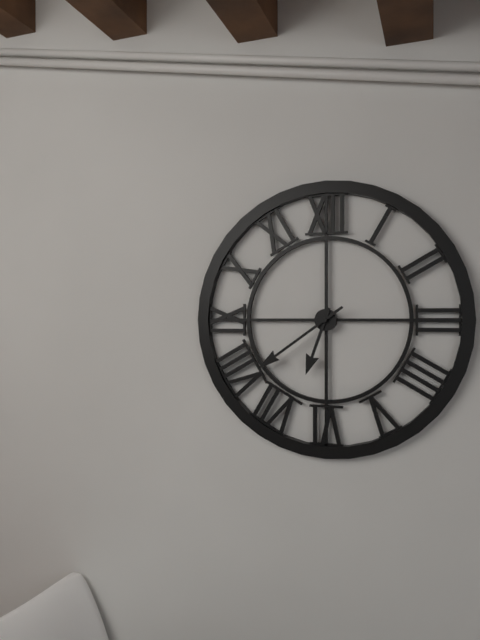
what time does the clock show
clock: 6:39
